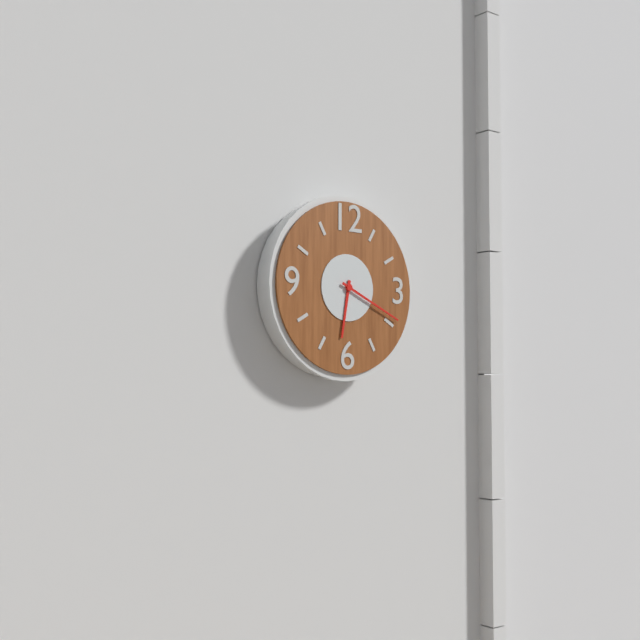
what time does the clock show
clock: 6:19
